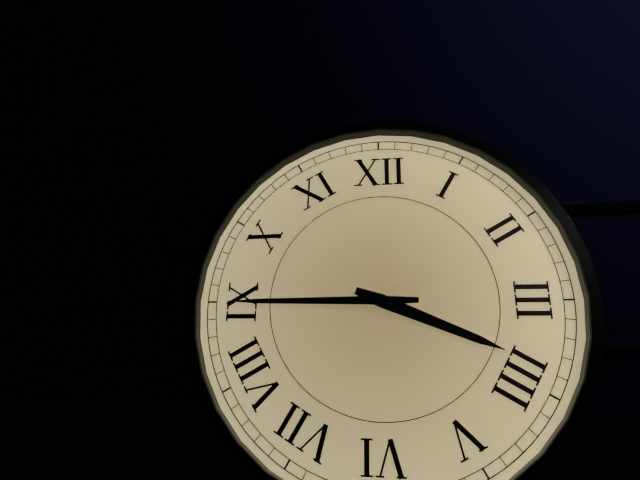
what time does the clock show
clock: 3:45
